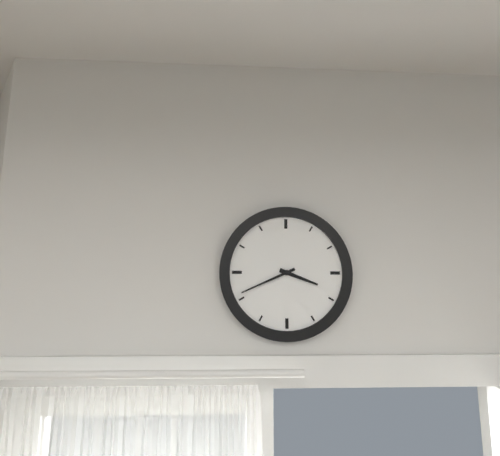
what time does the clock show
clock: 3:41
